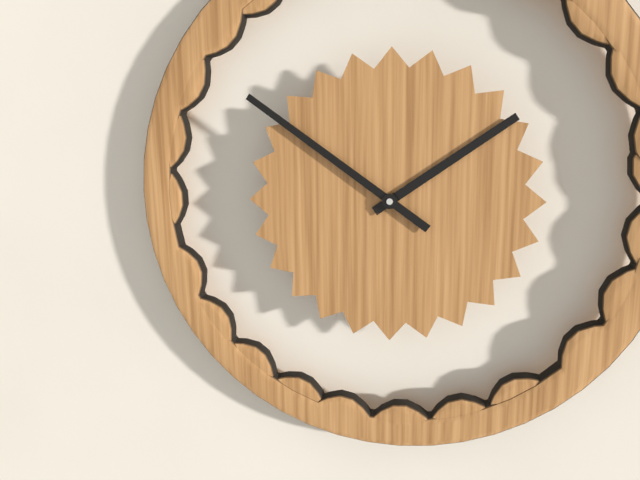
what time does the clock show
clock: 1:51
